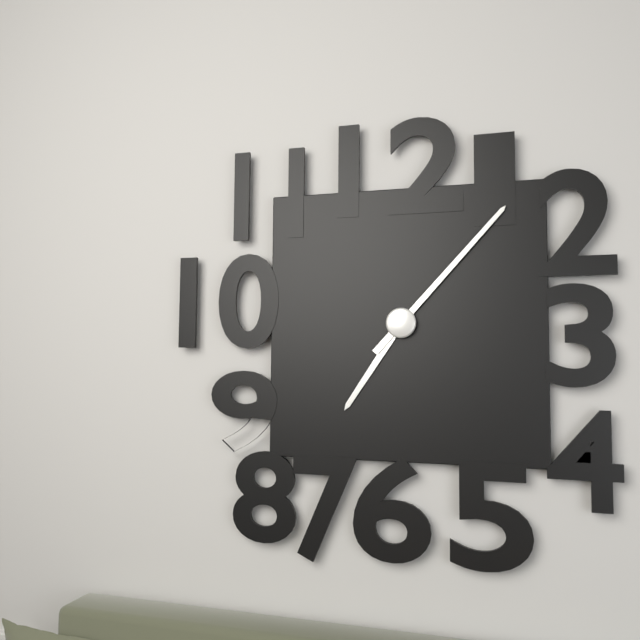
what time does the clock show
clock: 7:07
